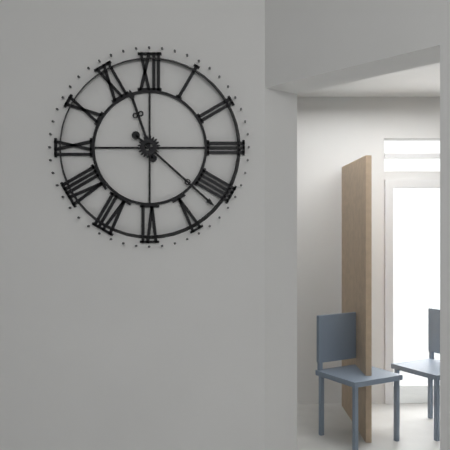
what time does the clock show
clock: 11:22
